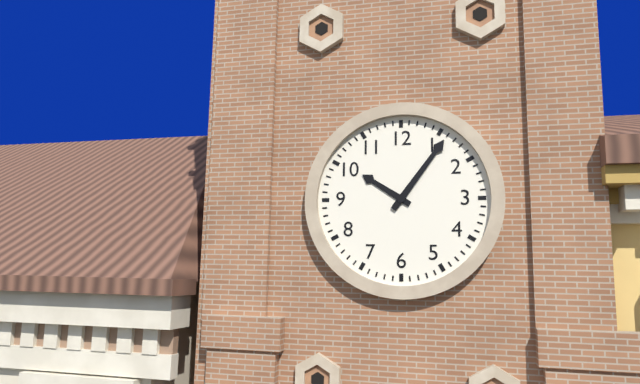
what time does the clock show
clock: 10:06
